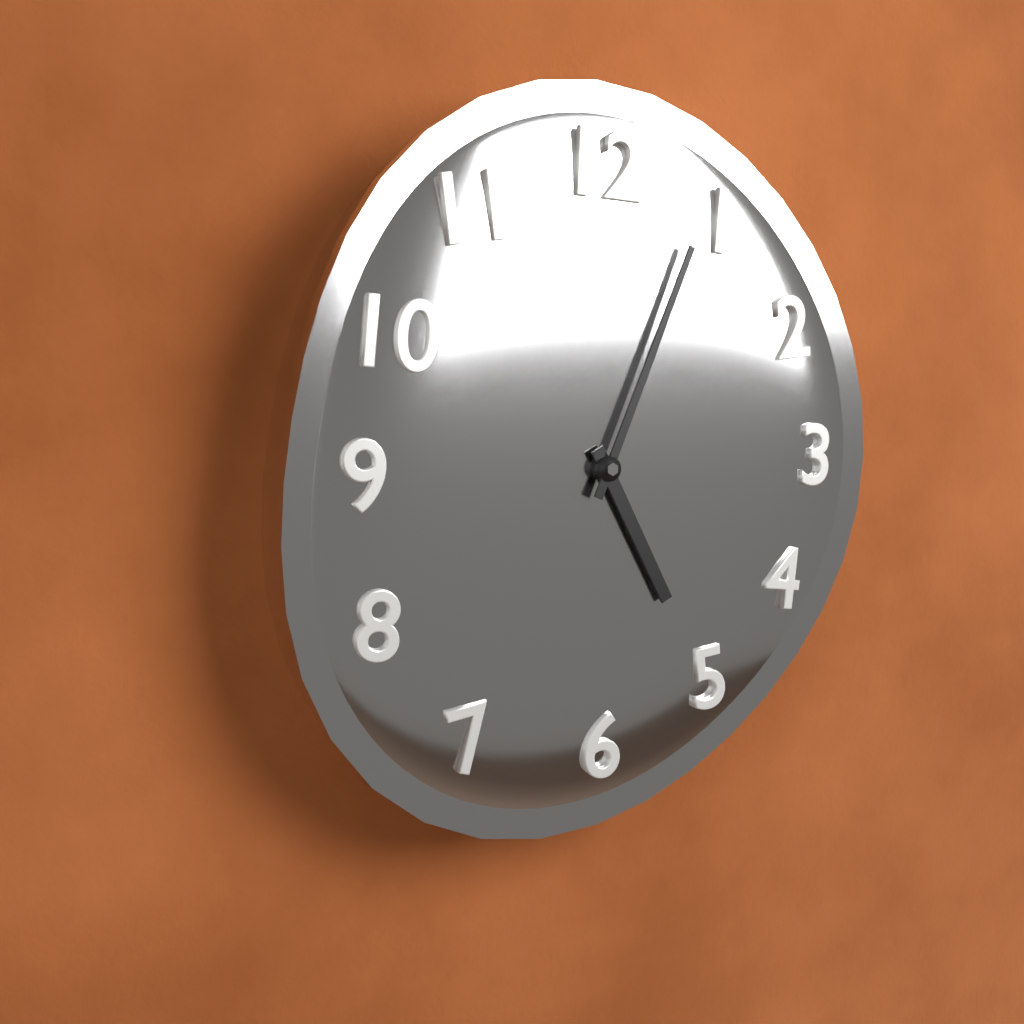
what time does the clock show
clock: 5:04
